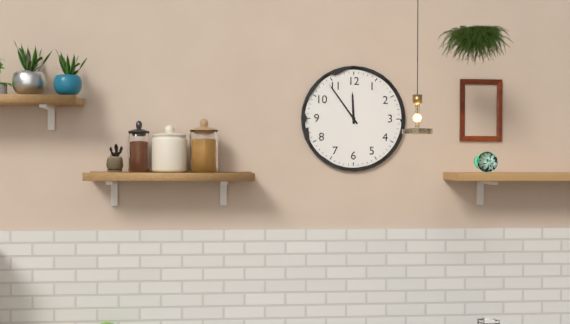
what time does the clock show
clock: 11:54
